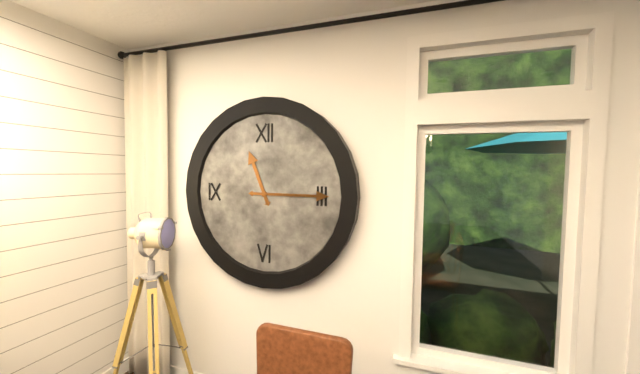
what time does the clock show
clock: 11:15
